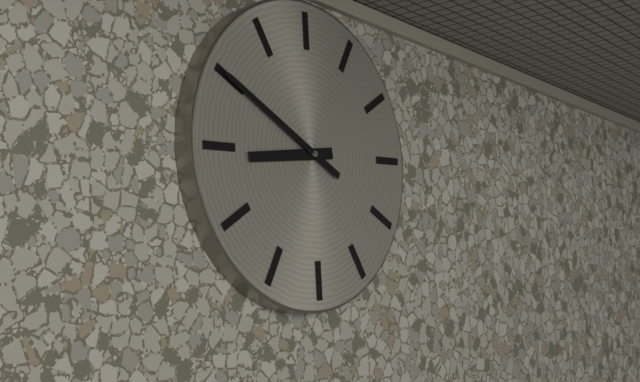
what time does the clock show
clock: 8:50
